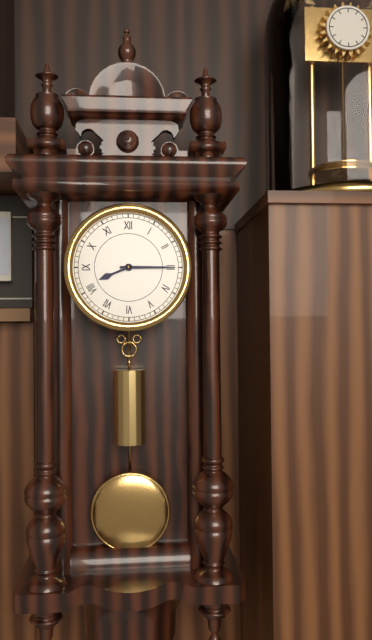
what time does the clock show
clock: 8:15
